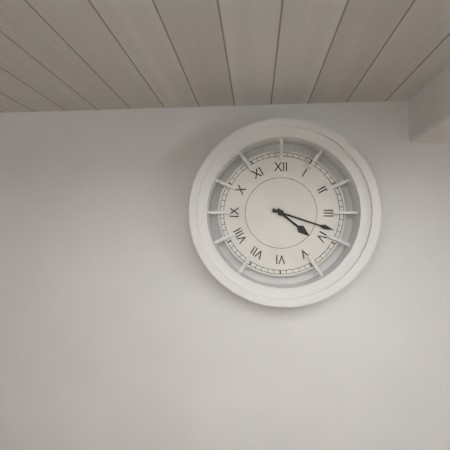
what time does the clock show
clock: 4:18
